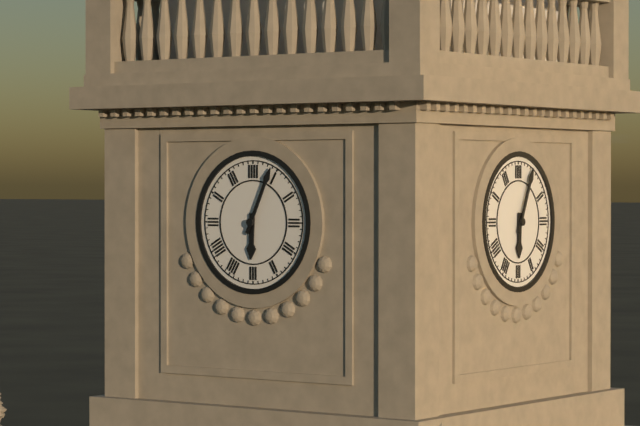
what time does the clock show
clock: 6:04
